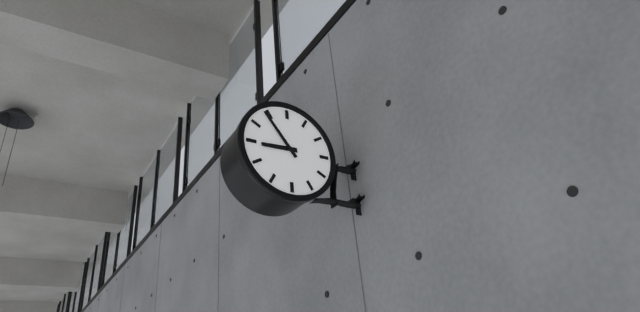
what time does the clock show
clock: 8:54
